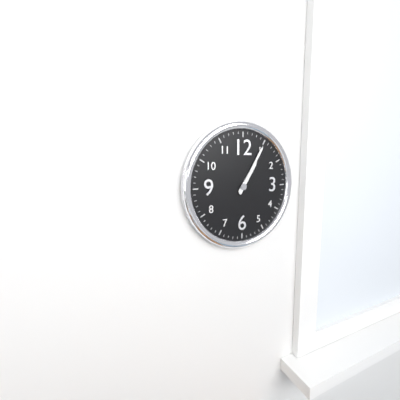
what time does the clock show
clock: 1:05
